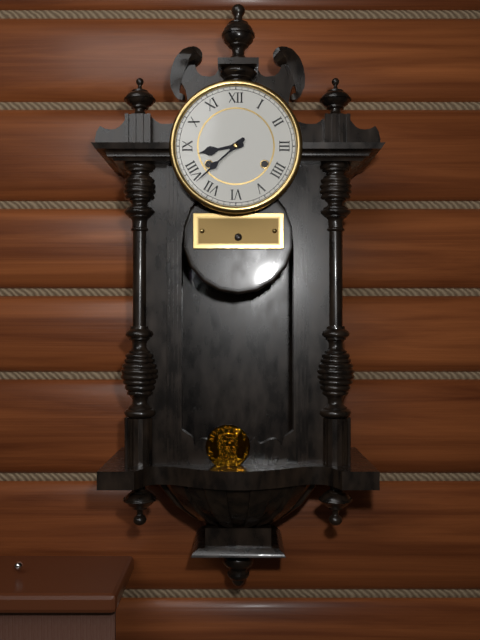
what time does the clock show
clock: 8:38
